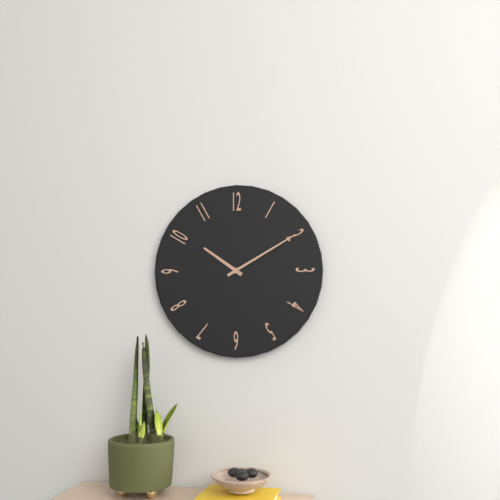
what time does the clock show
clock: 10:10
